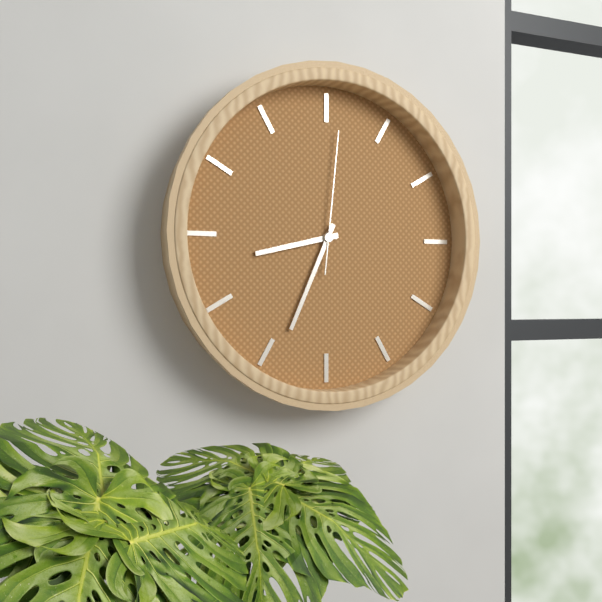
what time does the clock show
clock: 8:34:01
